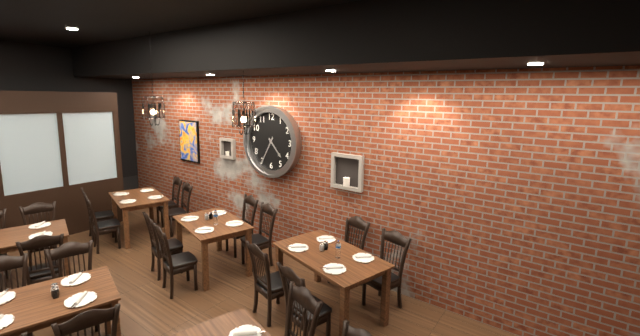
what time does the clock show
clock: 4:35
